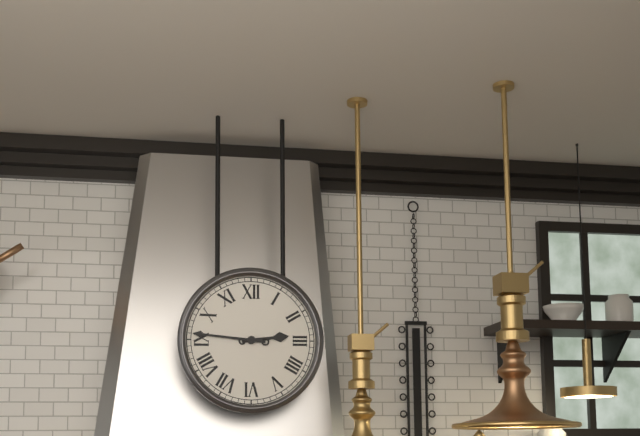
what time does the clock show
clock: 2:46
